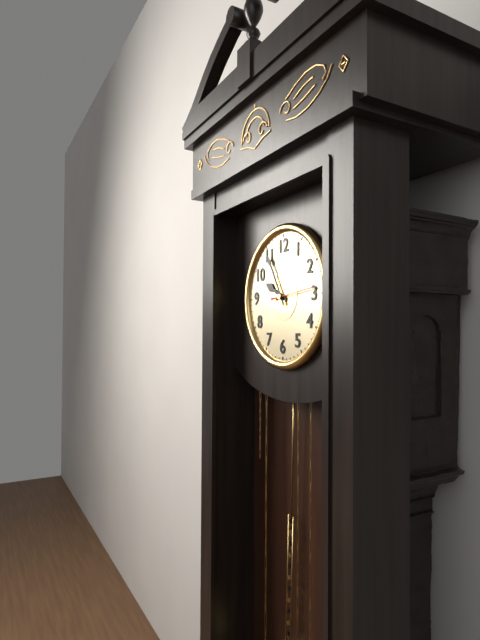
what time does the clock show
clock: 9:55
